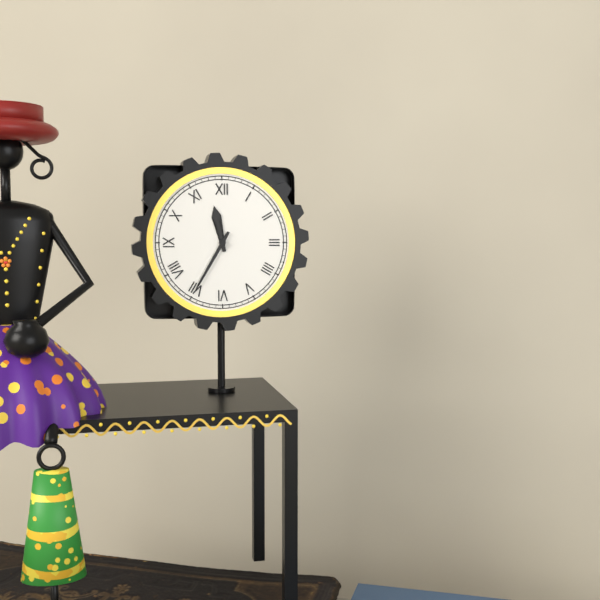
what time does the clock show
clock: 11:35
